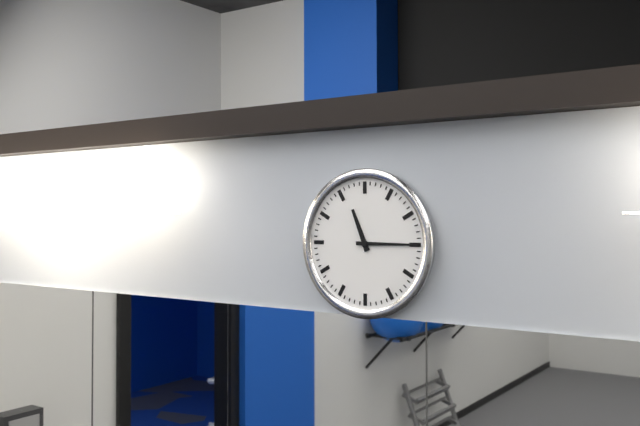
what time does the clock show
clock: 11:15
